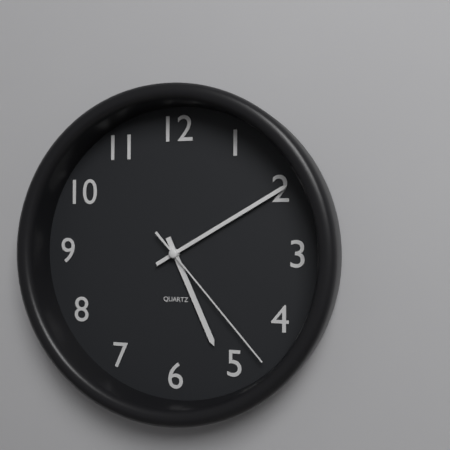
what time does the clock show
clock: 5:10:23
